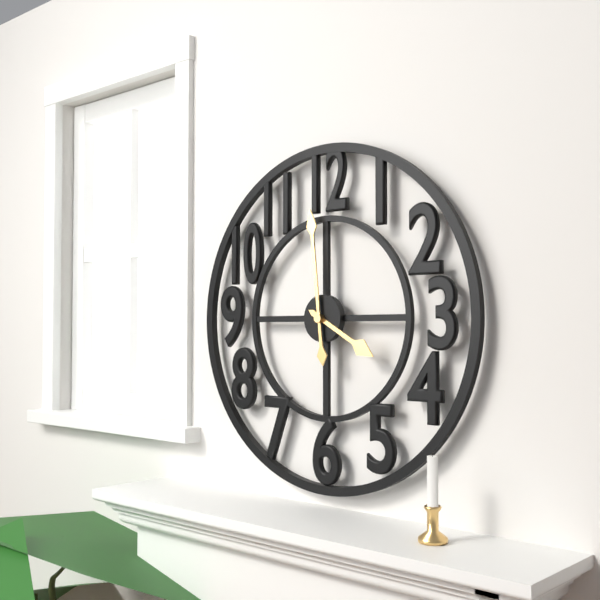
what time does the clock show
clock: 3:59
